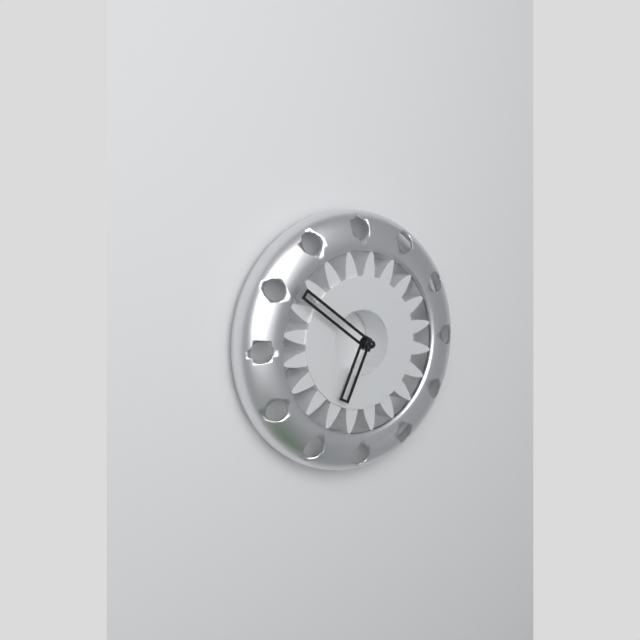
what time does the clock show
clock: 6:51
